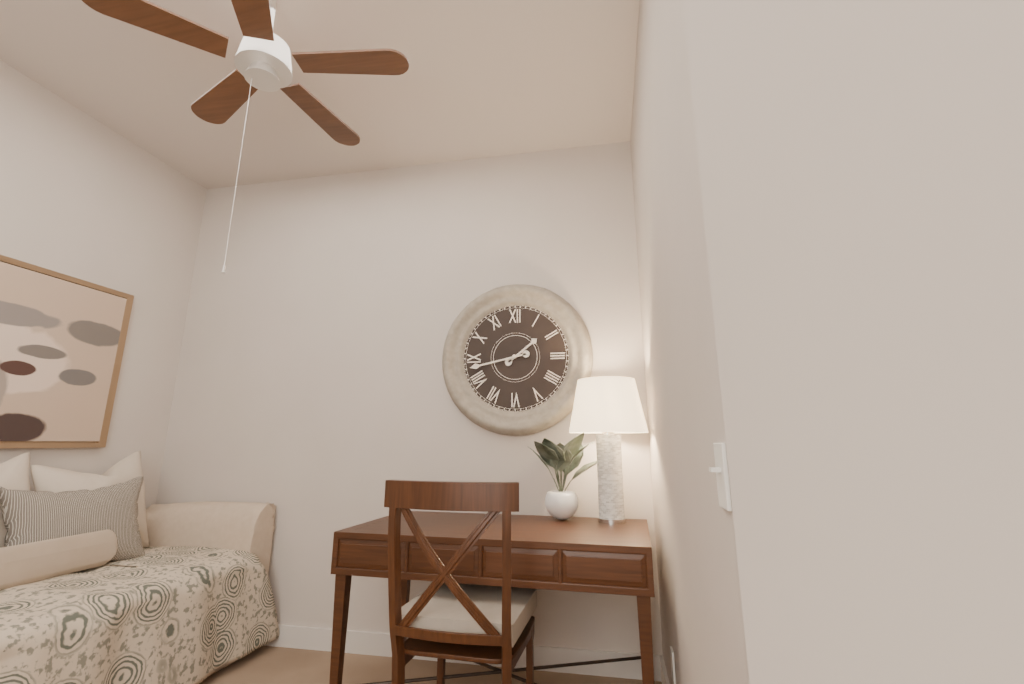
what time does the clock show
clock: 1:43
